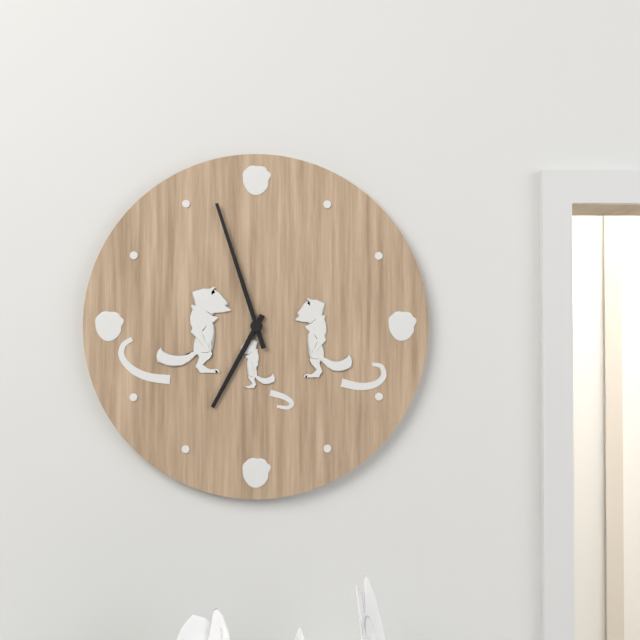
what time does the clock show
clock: 6:57
